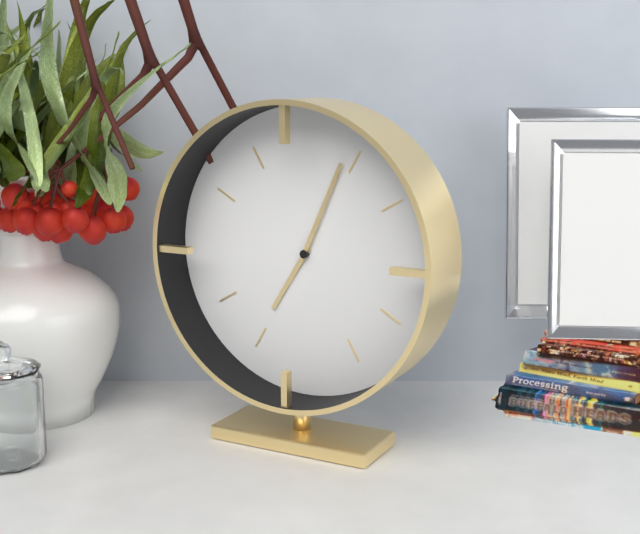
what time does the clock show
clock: 7:04
